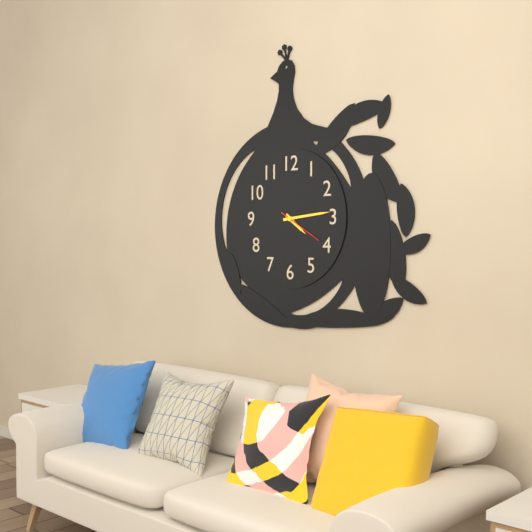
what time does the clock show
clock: 4:14
